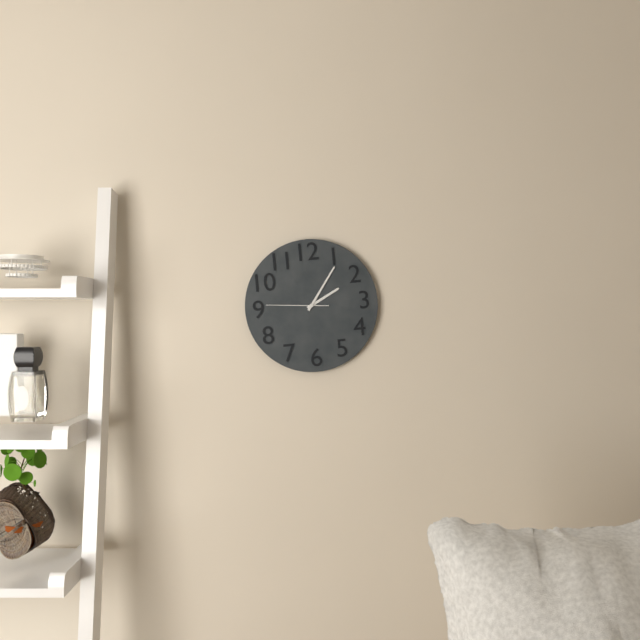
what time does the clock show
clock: 2:06:46
